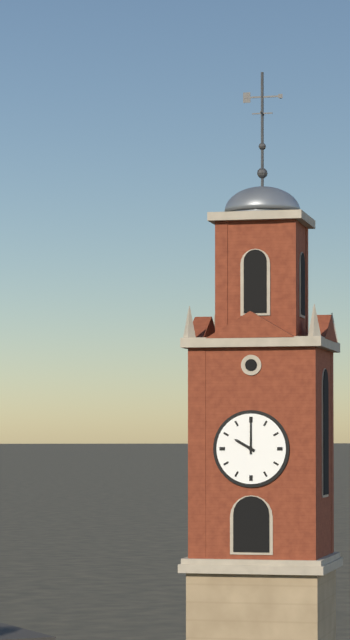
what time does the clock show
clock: 10:00
